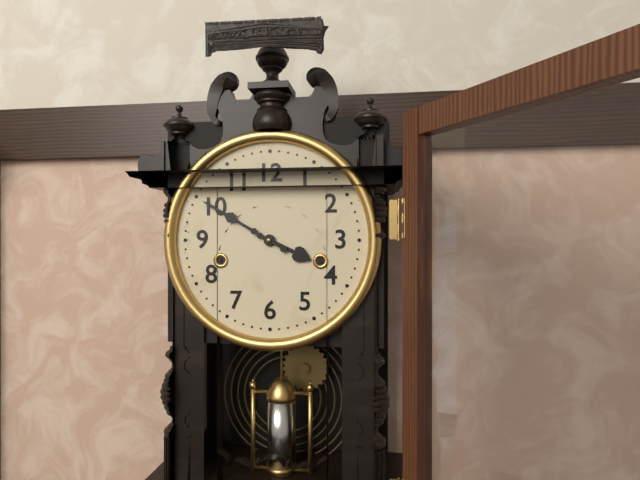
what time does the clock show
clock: 3:50
